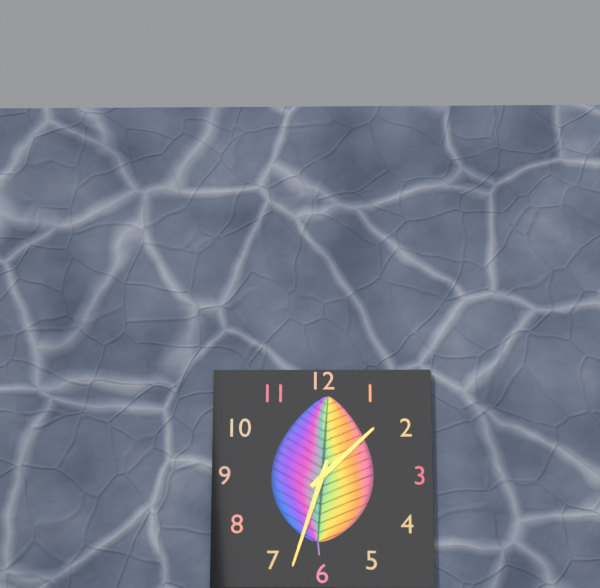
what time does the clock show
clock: 1:33
